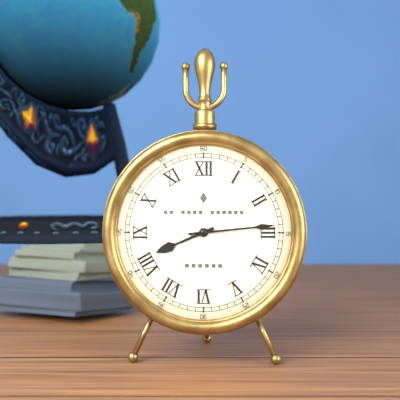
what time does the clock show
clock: 8:14
